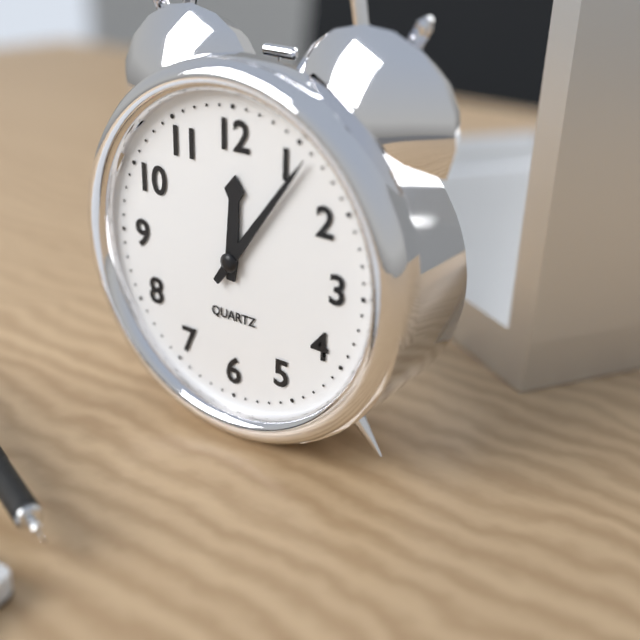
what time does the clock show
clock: 12:06
